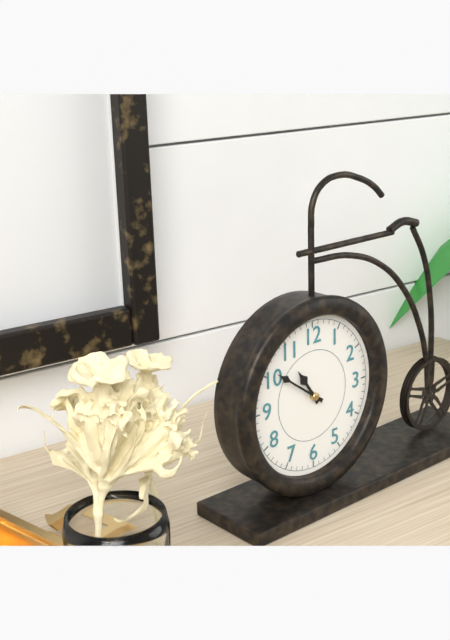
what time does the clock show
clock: 10:51
